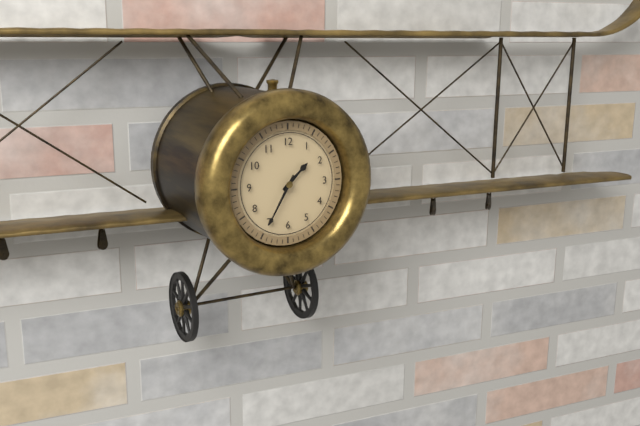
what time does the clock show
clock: 1:35
